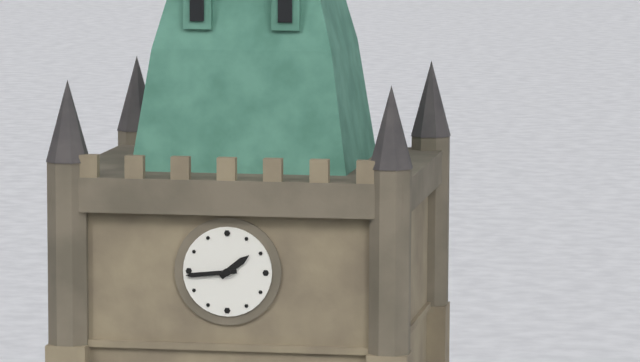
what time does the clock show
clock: 1:44
